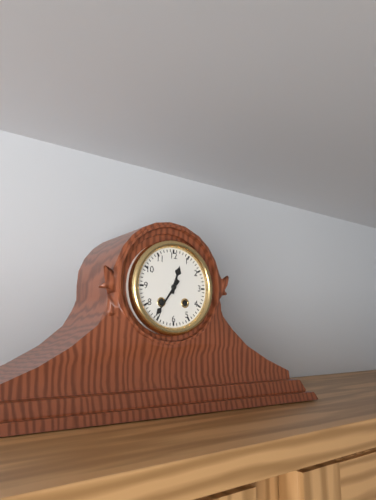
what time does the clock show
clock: 12:36
